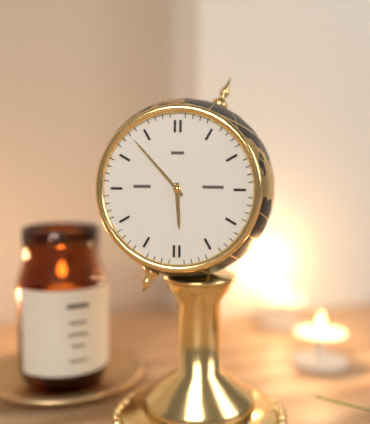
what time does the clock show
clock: 5:53
